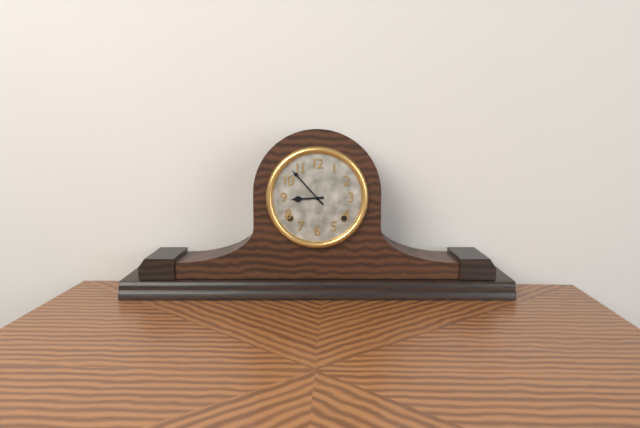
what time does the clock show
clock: 8:53
